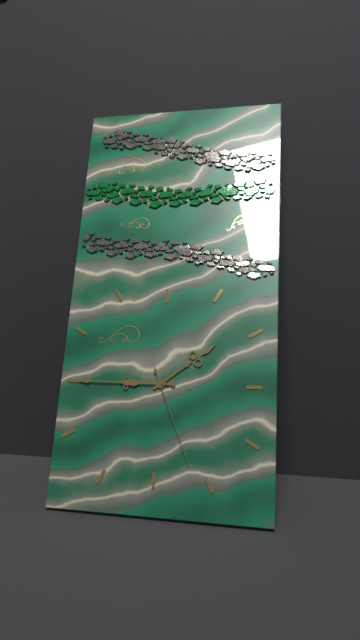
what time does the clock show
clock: 1:45:26
